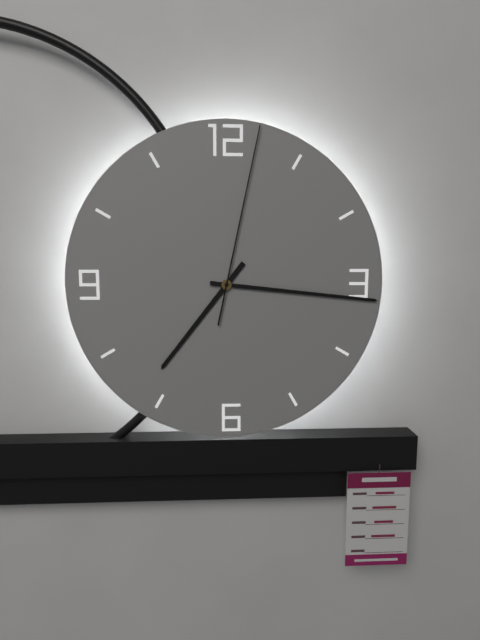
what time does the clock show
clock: 7:16:02
